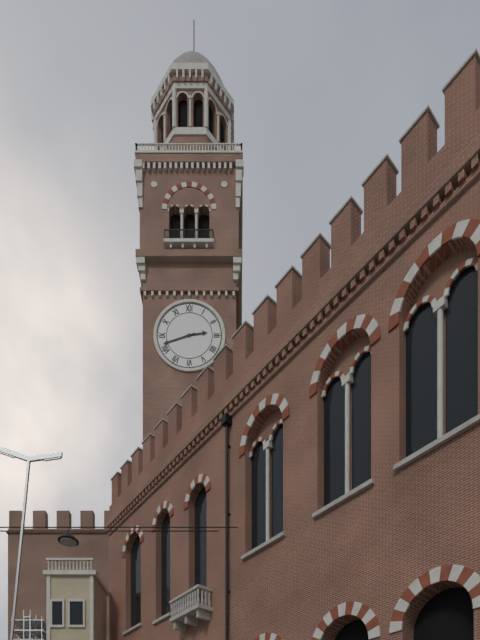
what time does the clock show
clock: 2:42
